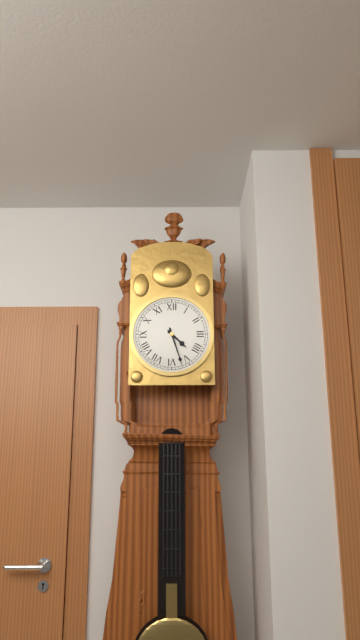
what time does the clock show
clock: 4:27
